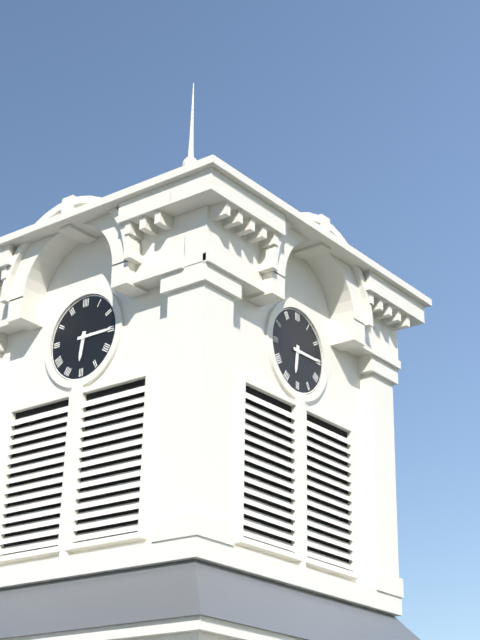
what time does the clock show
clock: 6:15
